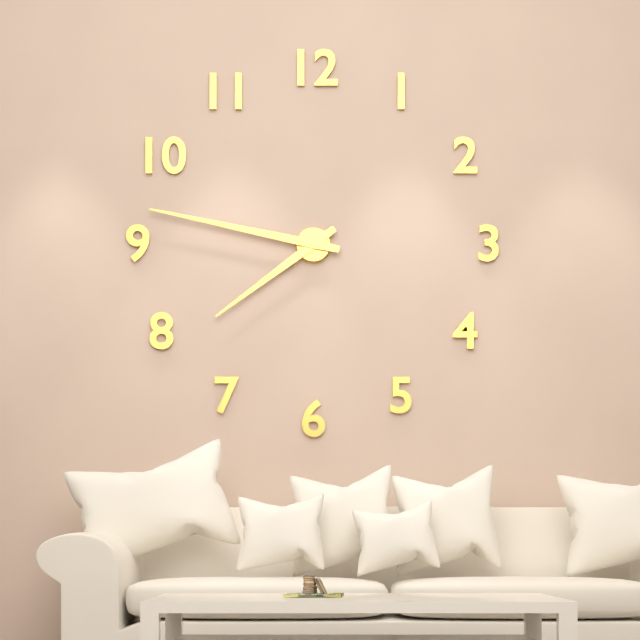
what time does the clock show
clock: 7:47
